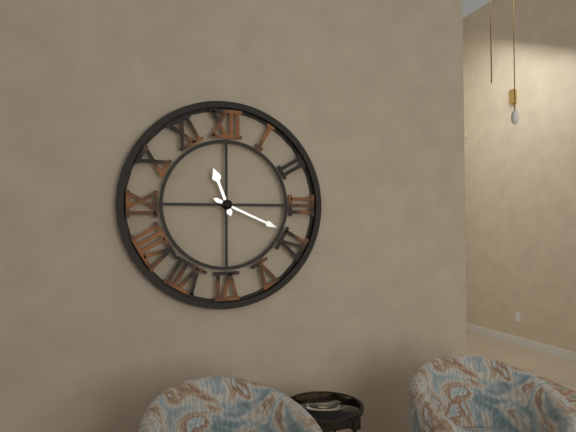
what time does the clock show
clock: 11:19
